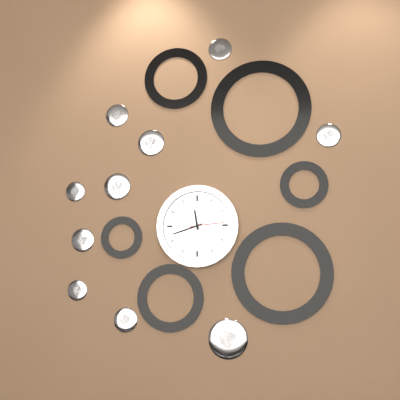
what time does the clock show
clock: 11:42
